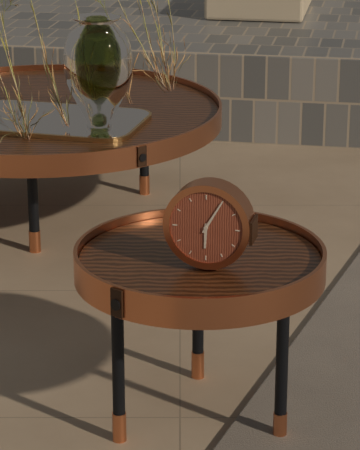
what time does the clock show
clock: 6:05
